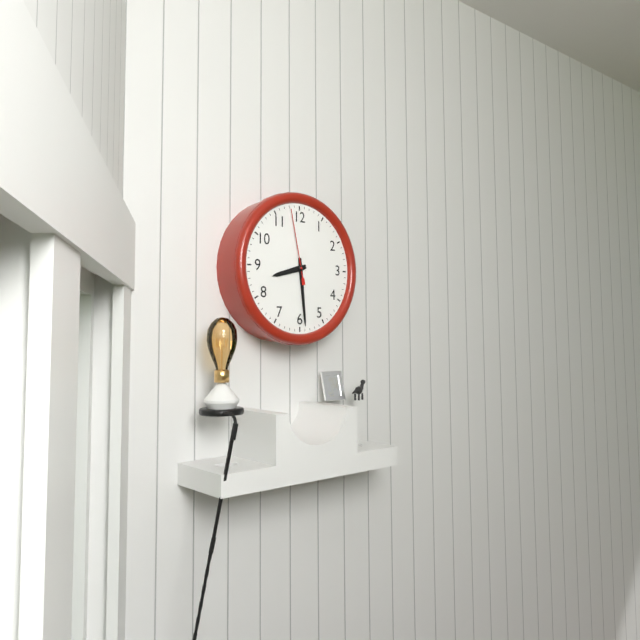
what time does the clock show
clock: 8:29:58
